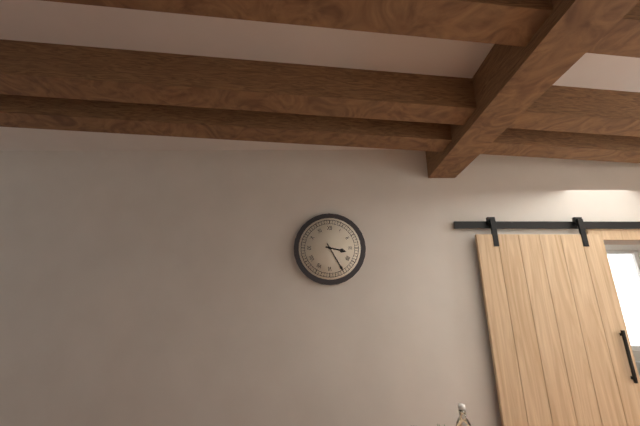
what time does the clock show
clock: 3:25
